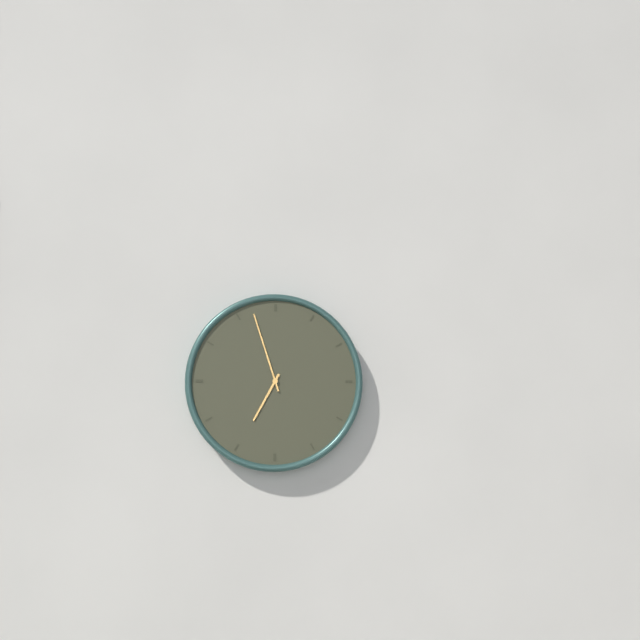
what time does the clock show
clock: 6:57
